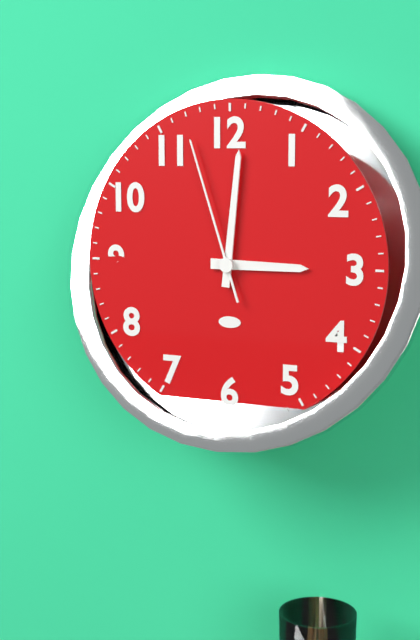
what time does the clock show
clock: 3:01:57
